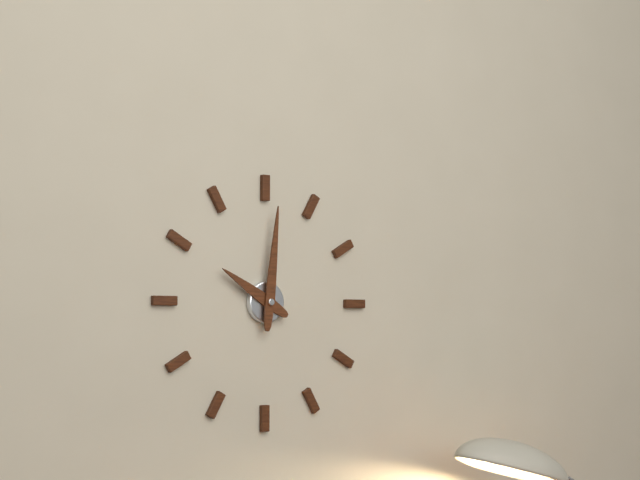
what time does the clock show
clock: 10:01
